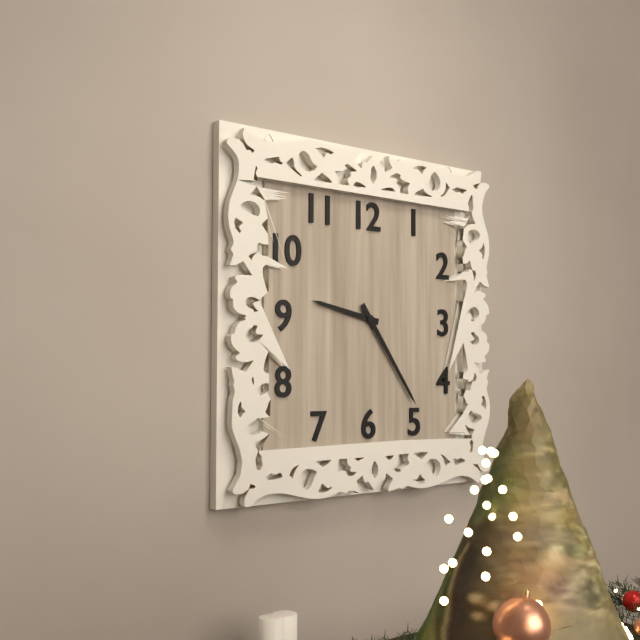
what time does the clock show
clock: 9:24
